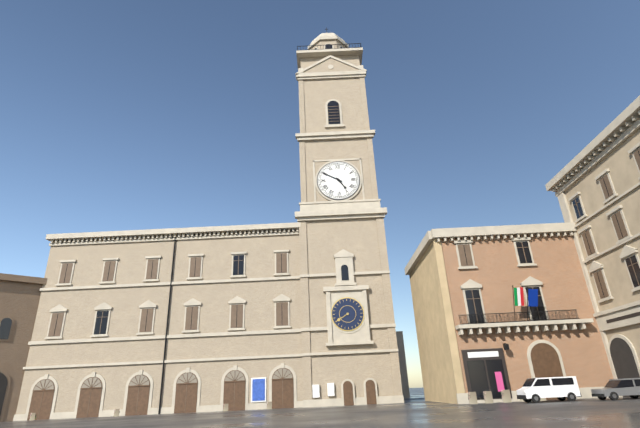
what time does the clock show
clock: 4:50
